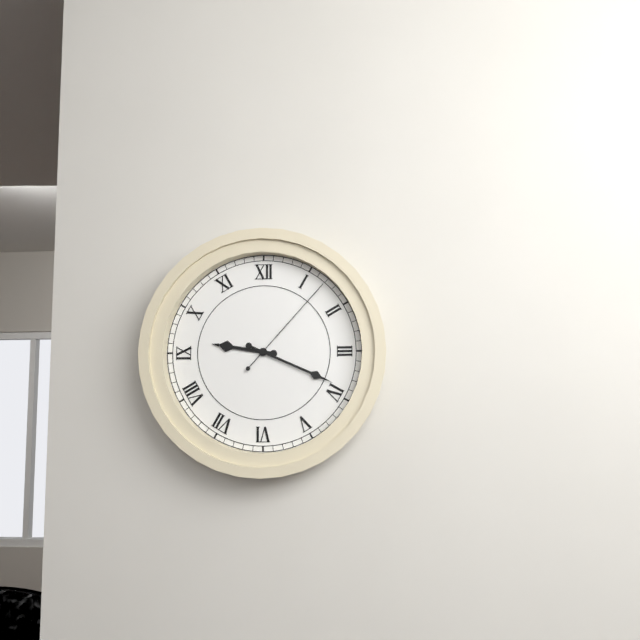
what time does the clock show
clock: 9:19:07
